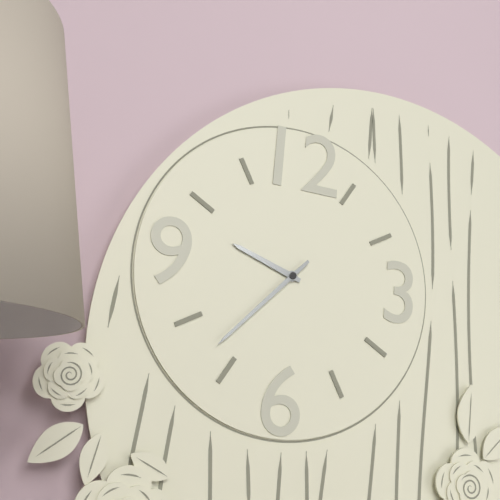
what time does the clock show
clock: 9:37
